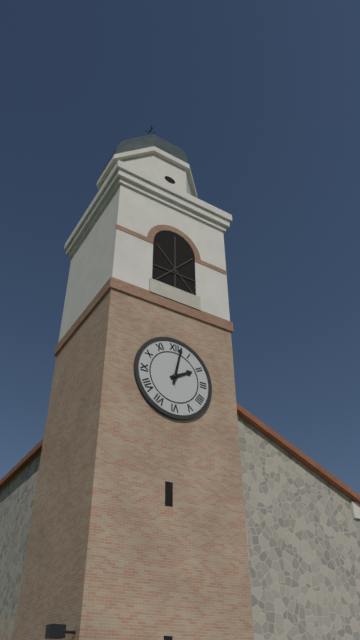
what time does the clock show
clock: 2:02
